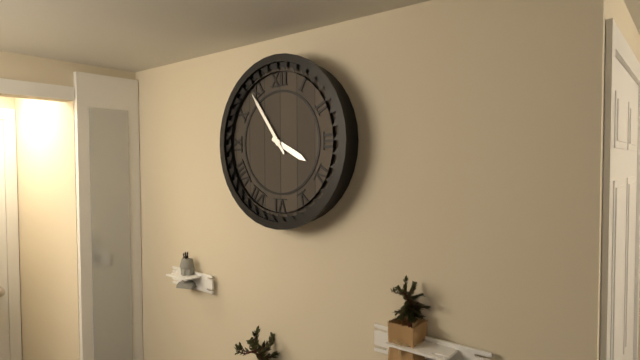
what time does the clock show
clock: 3:54
